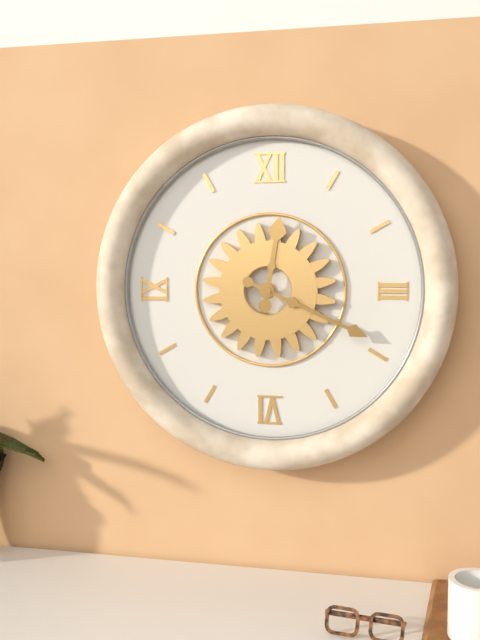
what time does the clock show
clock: 12:19
